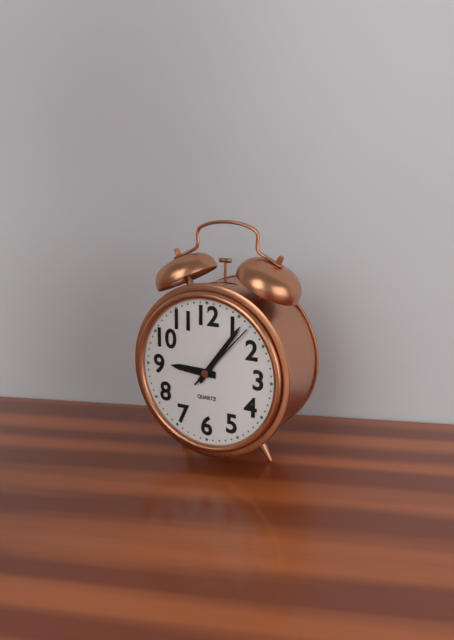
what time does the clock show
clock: 9:06:07
